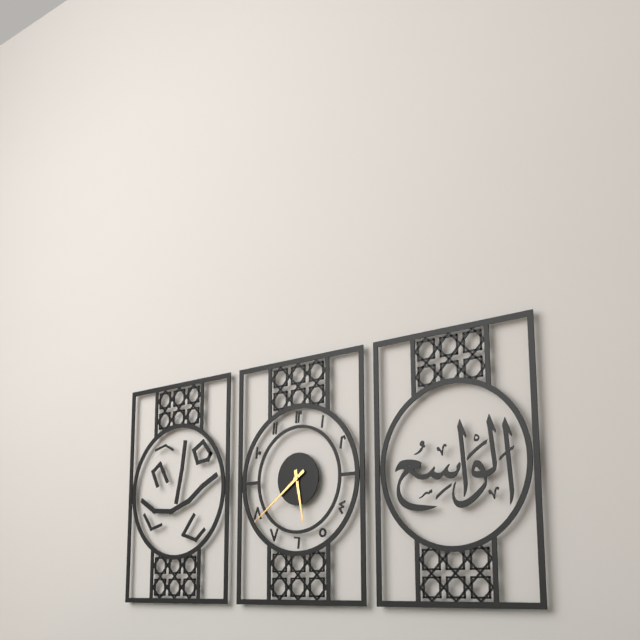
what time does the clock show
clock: 5:39
